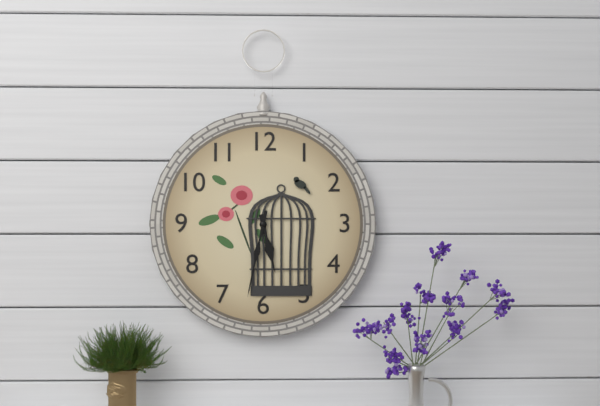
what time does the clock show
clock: 5:32
